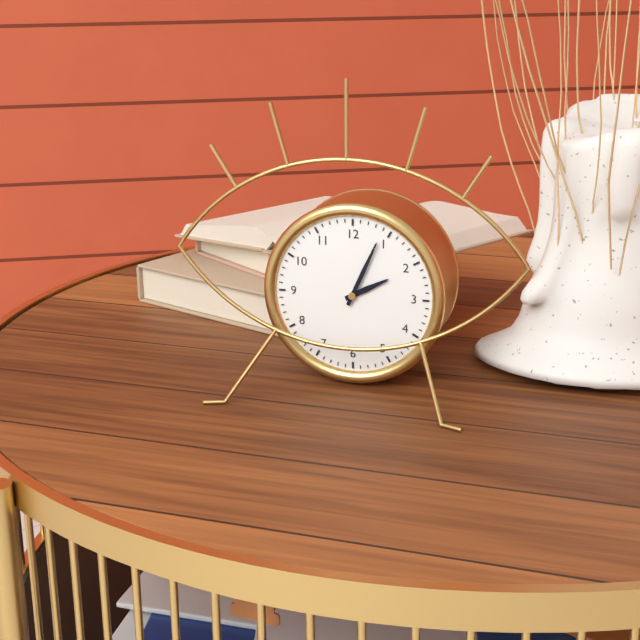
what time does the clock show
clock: 2:04
